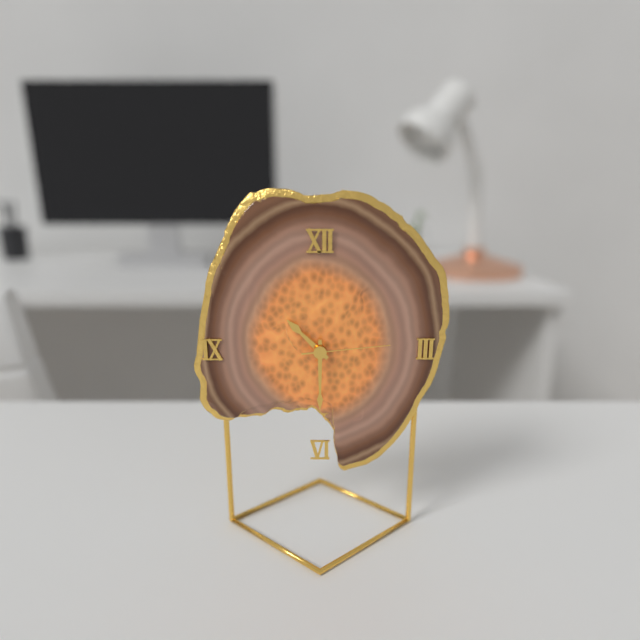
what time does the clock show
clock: 10:30:14
